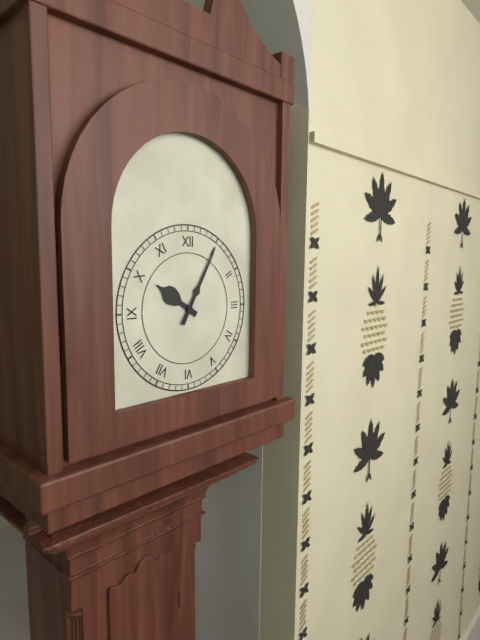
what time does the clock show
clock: 10:05
